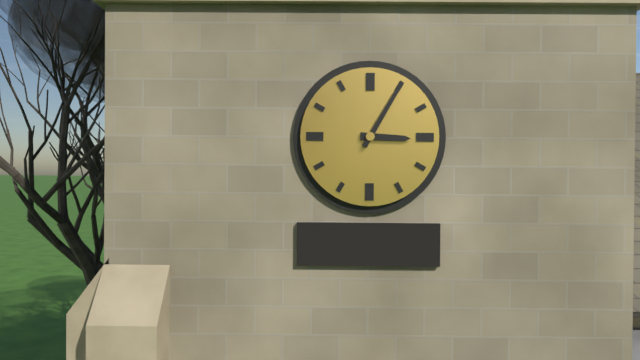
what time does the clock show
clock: 3:05
